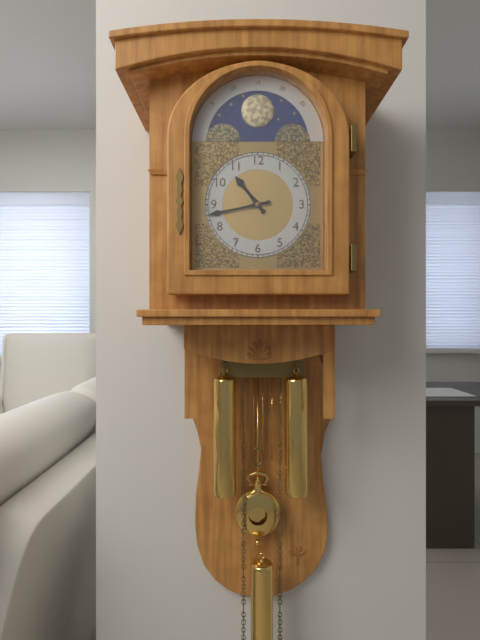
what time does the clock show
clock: 10:43
